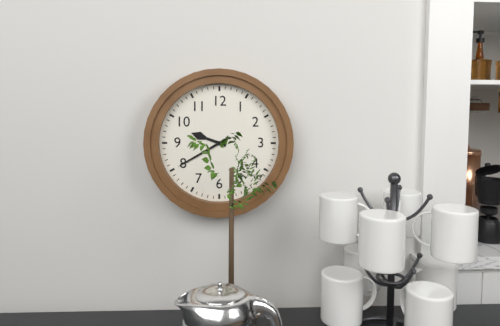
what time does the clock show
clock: 9:40
